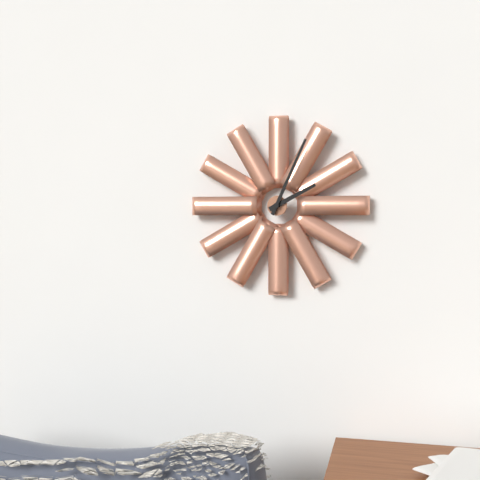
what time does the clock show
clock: 2:04
